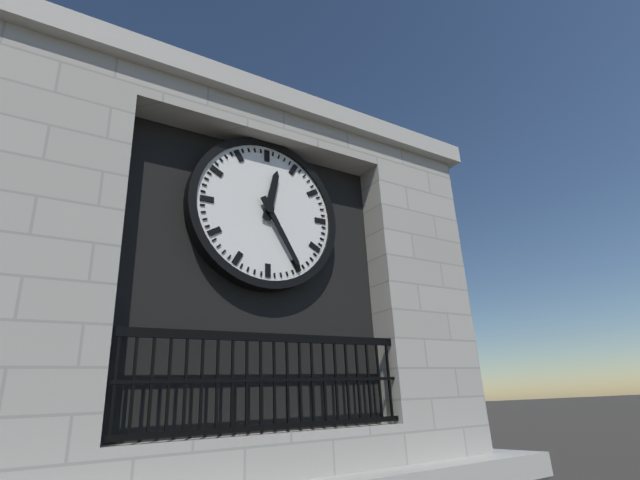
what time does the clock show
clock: 12:25
